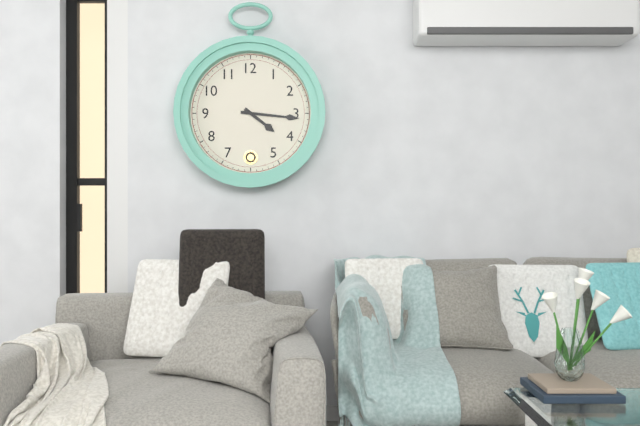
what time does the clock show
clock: 4:16
